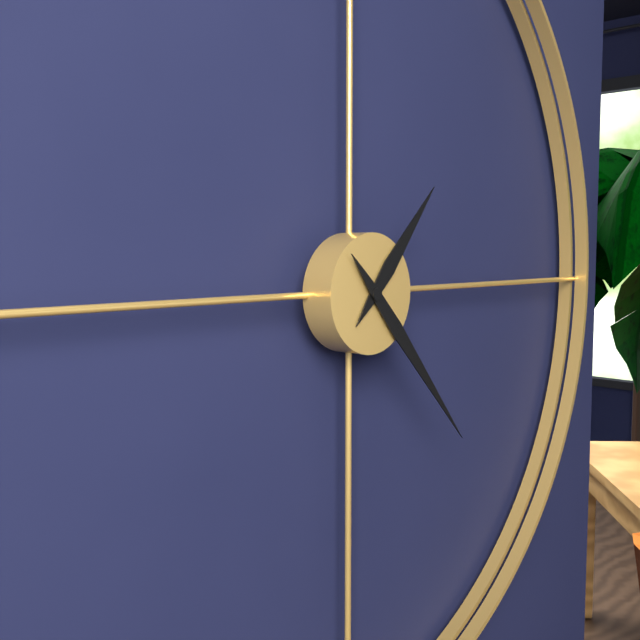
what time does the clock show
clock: 1:23
